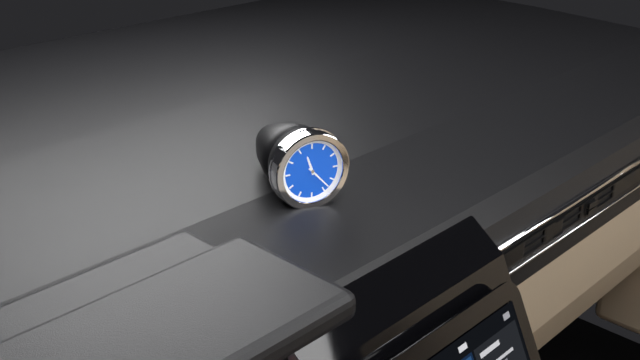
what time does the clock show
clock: 11:23
